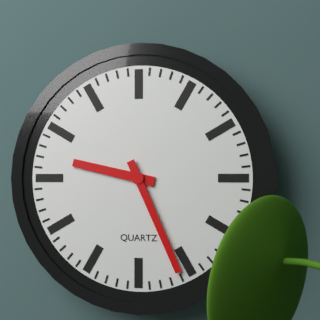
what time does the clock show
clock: 9:26
